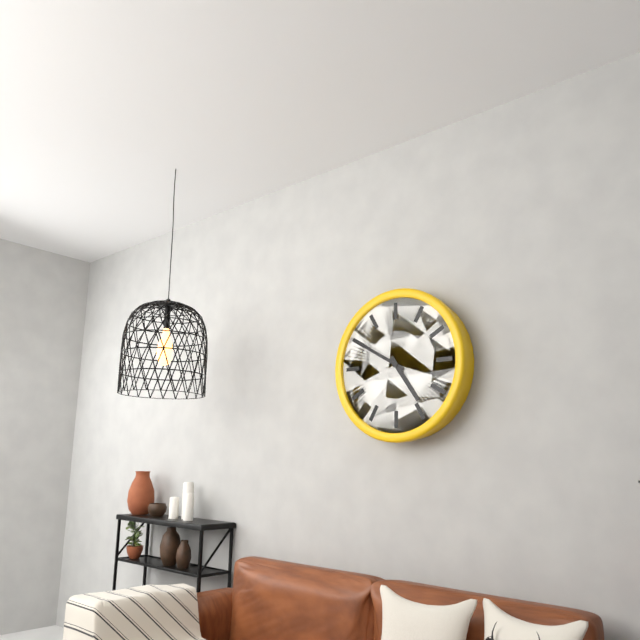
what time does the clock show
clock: 4:50
